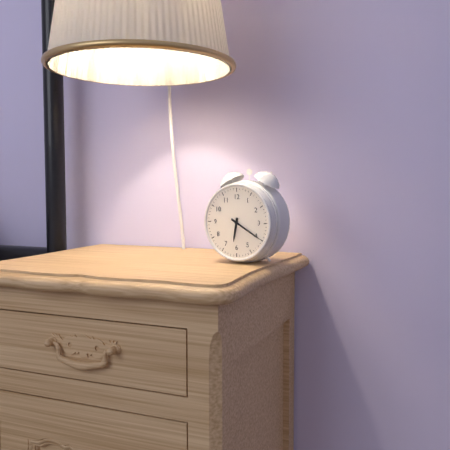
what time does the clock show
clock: 6:20
